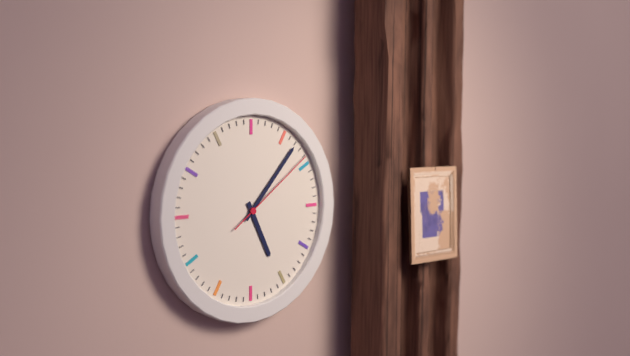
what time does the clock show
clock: 5:07:09
